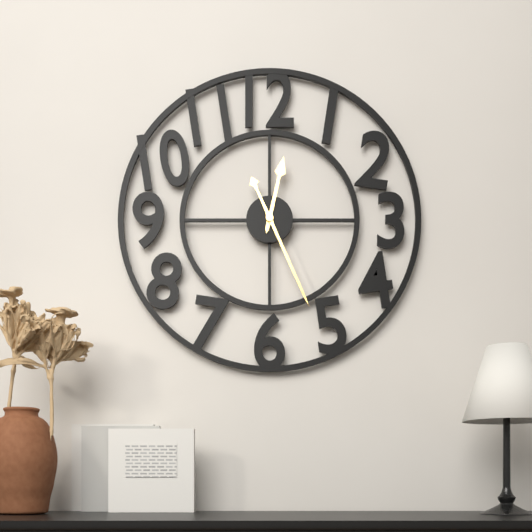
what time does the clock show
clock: 12:26
